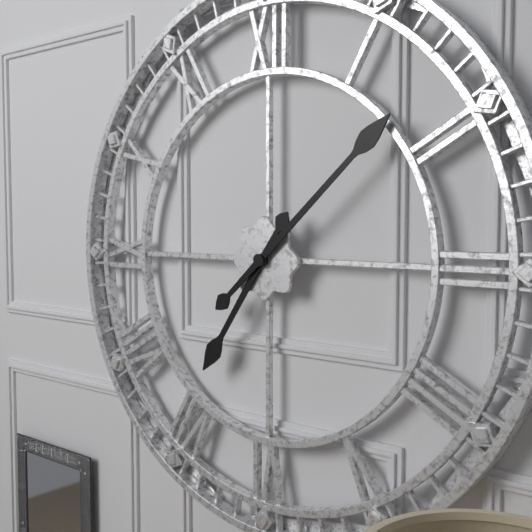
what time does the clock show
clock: 7:08
